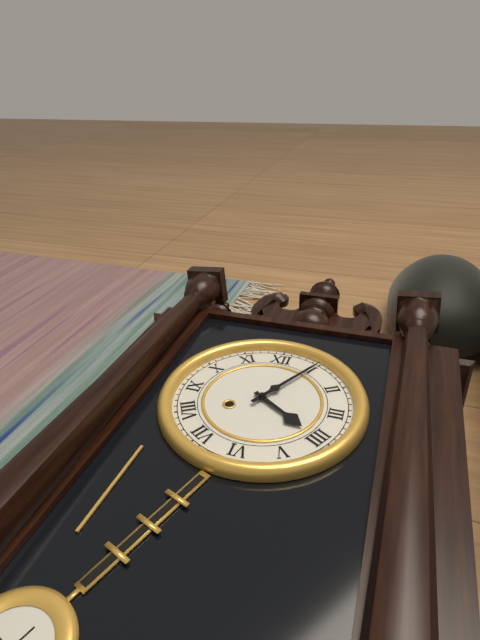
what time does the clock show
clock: 4:05
